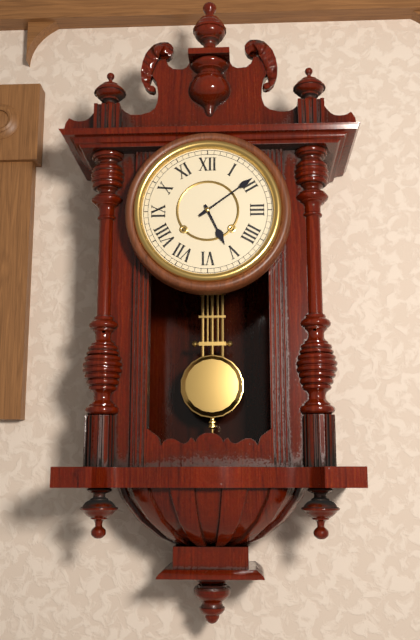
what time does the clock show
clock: 5:09
